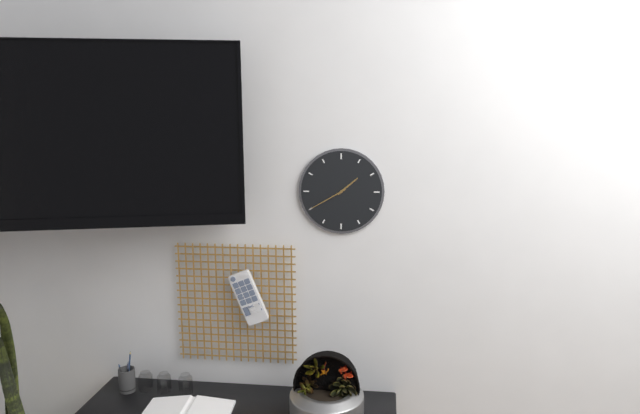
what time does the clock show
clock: 1:40
